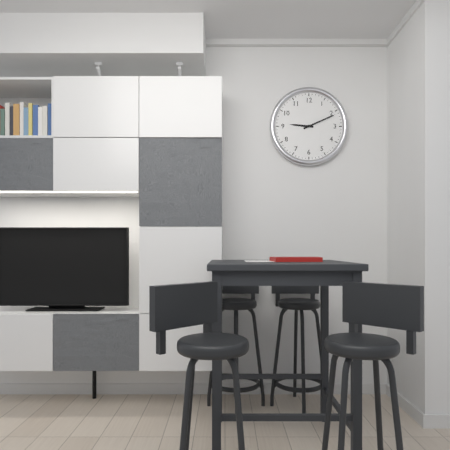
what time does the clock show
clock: 9:11
